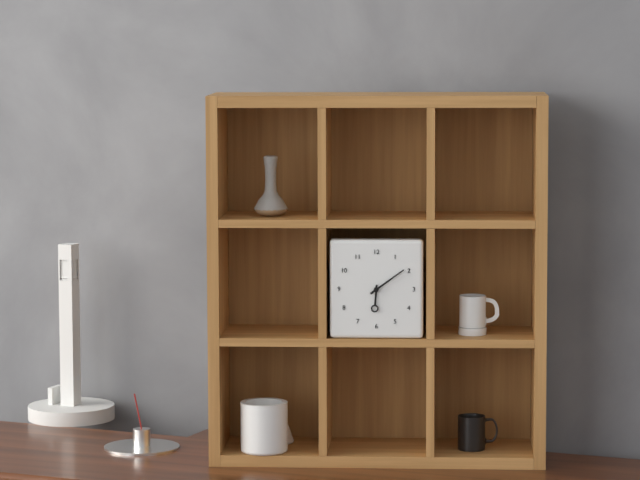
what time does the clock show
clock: 6:09
